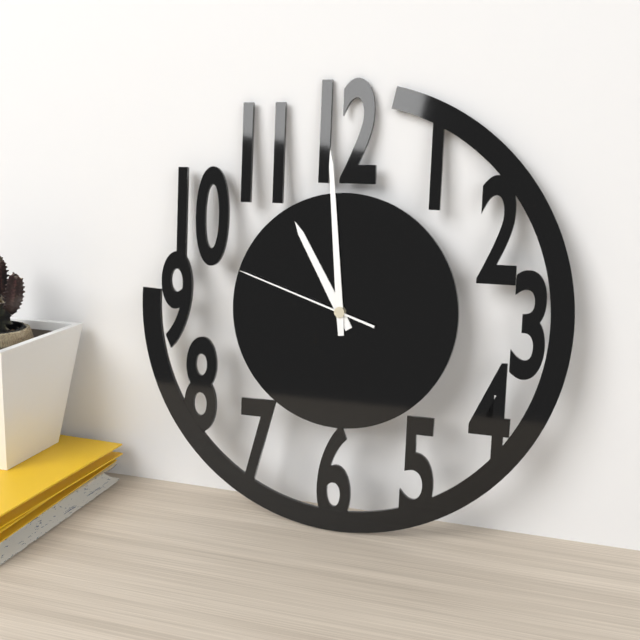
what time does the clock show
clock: 10:59:48
